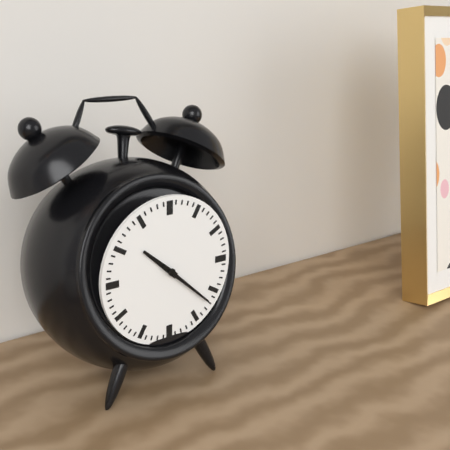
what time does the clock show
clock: 10:22
